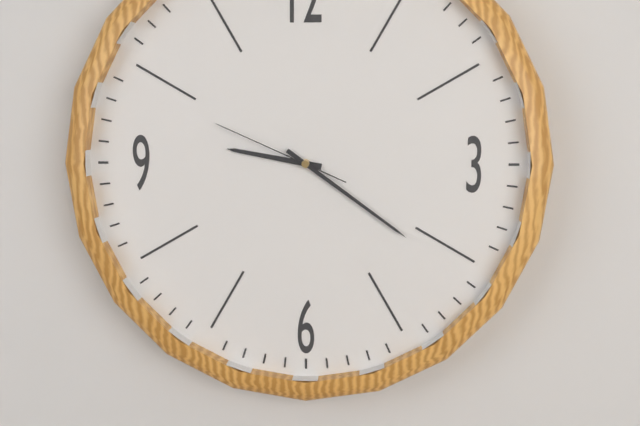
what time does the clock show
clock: 9:21:49
